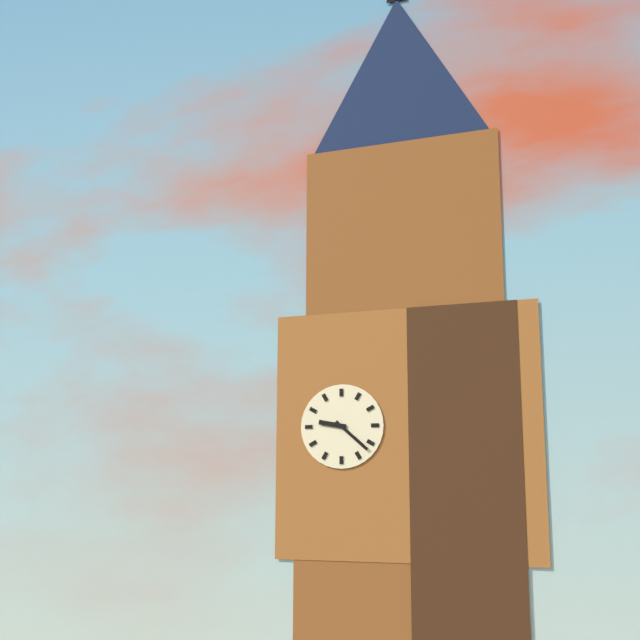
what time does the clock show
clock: 9:22
